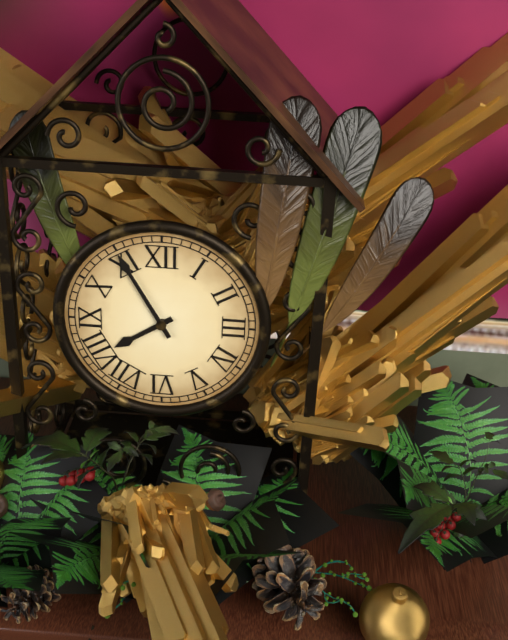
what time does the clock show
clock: 7:55
